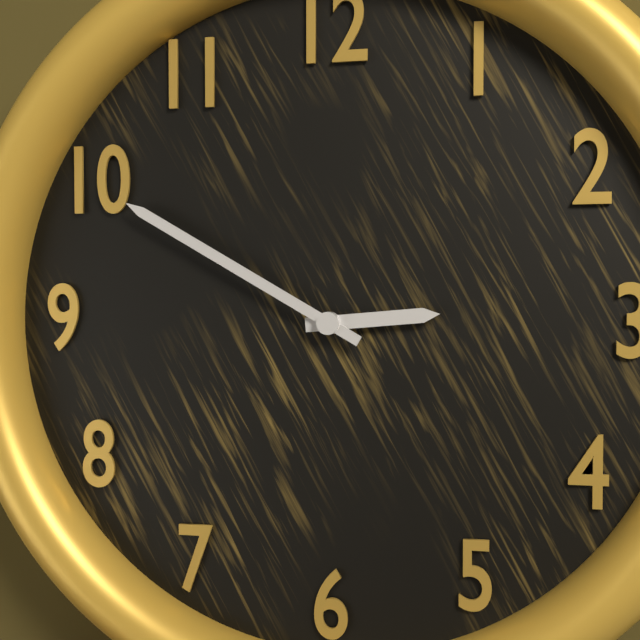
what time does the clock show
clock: 2:50
